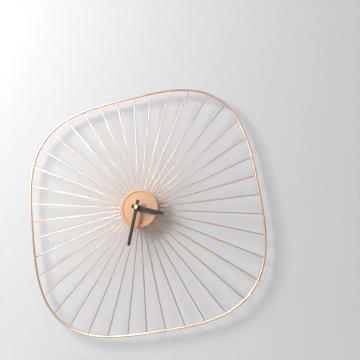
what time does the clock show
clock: 3:32
